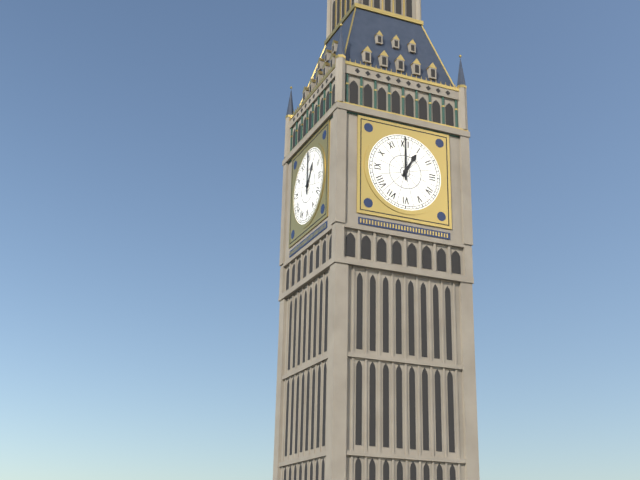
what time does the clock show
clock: 1:00
